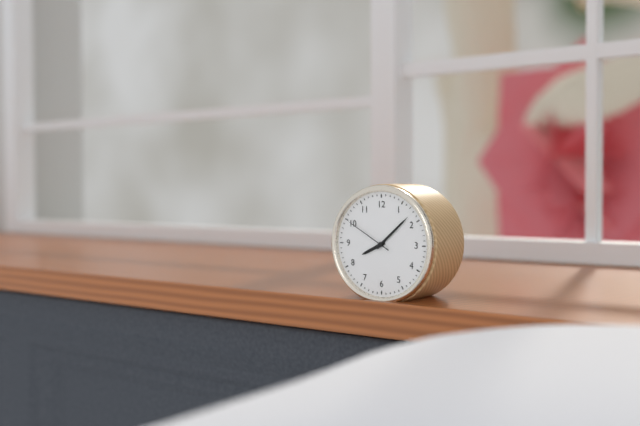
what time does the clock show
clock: 8:08:50
